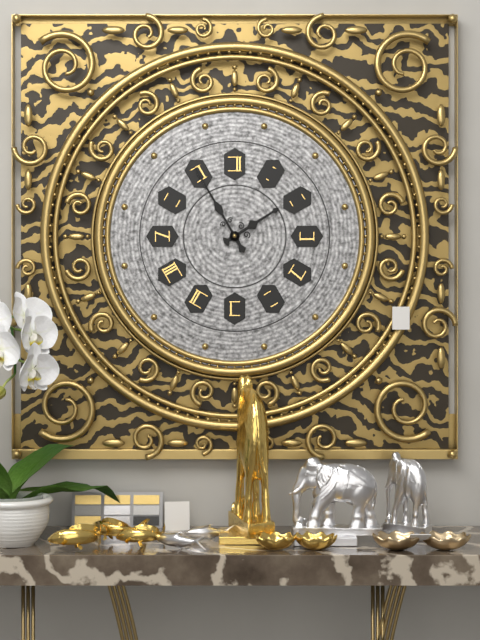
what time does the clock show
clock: 1:55
